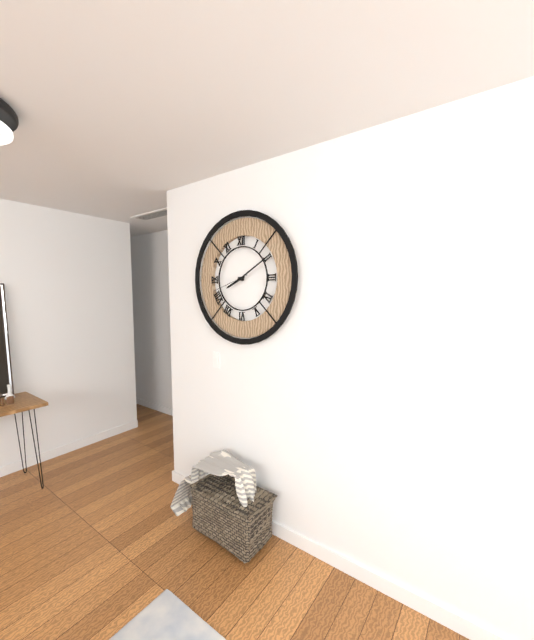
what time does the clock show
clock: 8:10
